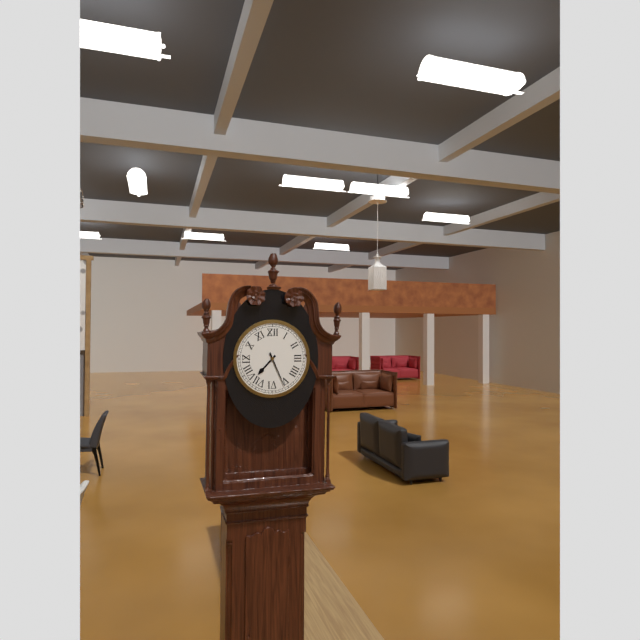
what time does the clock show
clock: 7:26
